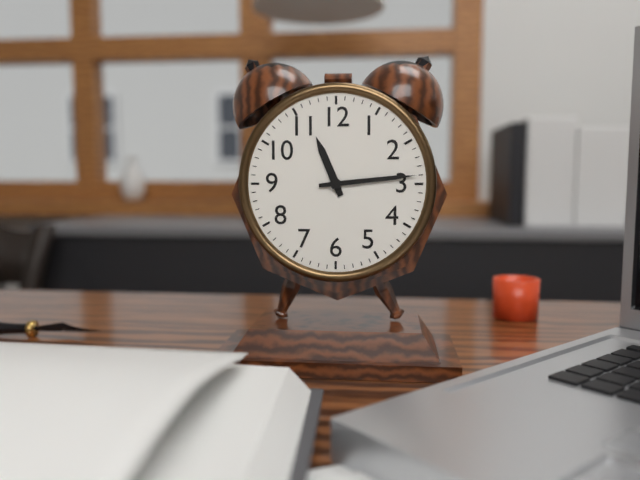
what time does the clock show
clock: 11:14
